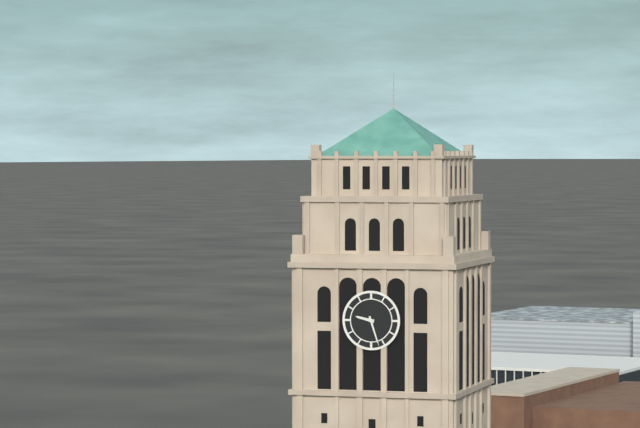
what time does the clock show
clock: 9:27
